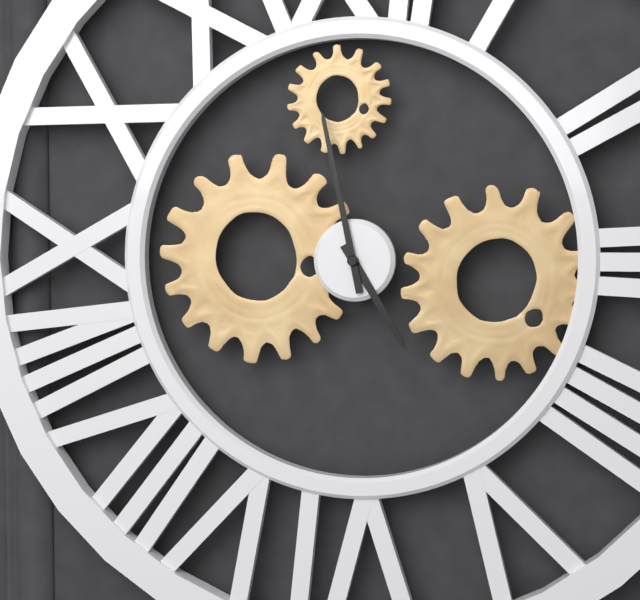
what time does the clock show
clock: 4:58
